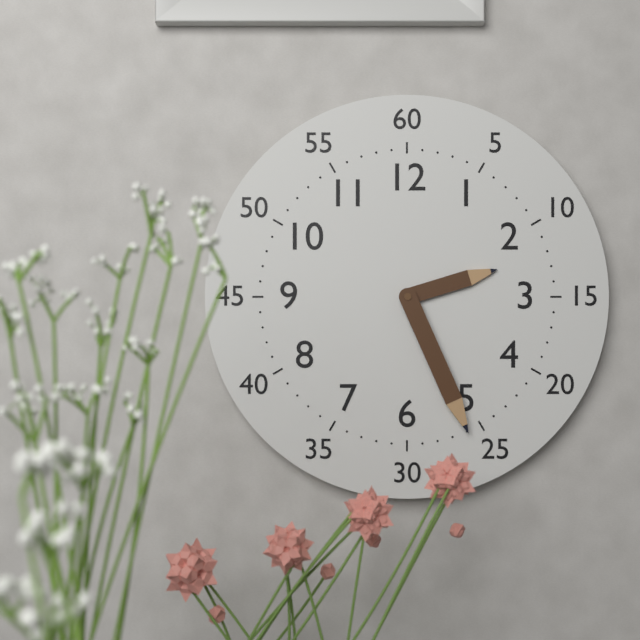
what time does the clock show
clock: 2:26
